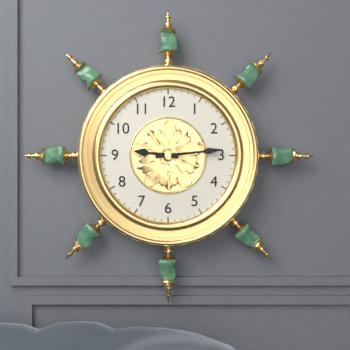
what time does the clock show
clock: 9:14
